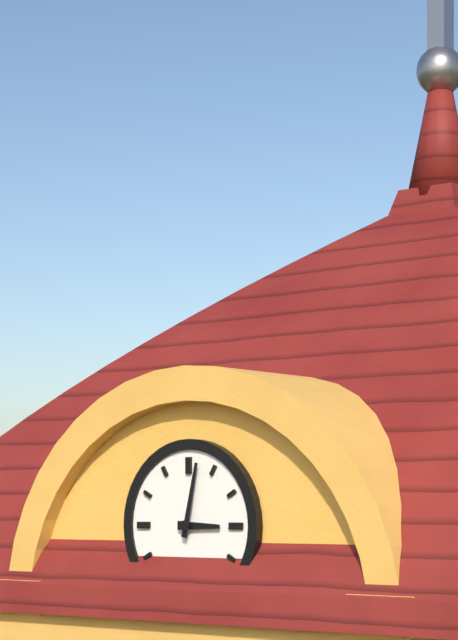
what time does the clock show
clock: 3:02
